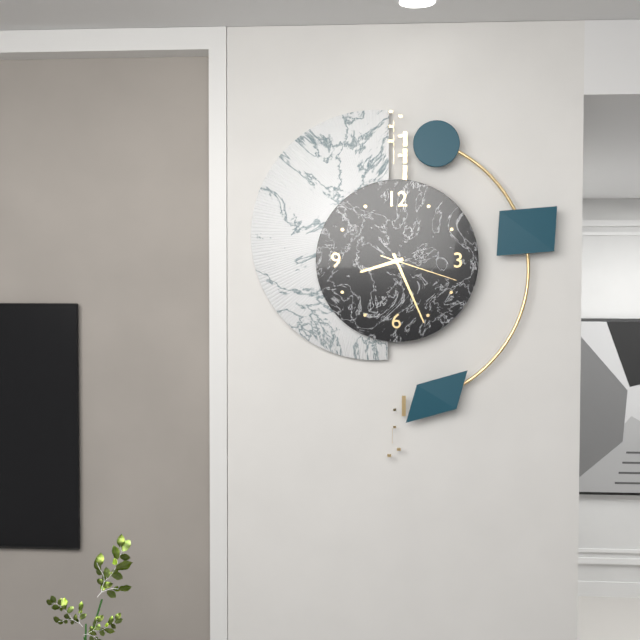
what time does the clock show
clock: 8:26:18
